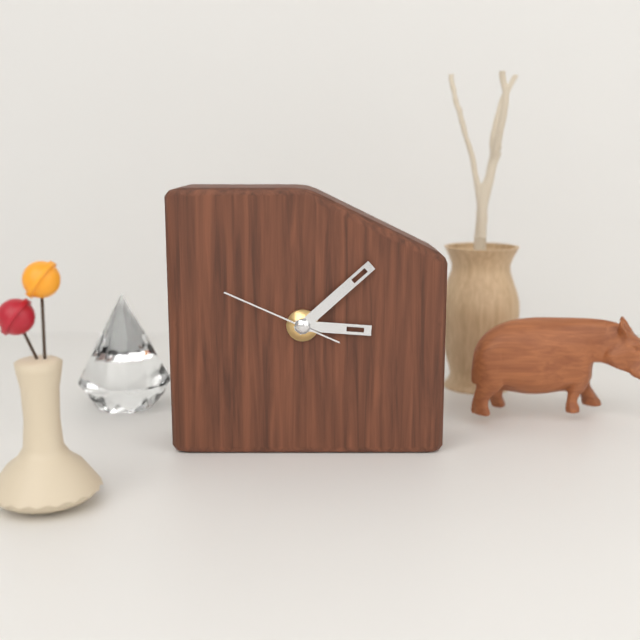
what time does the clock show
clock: 3:08:49
